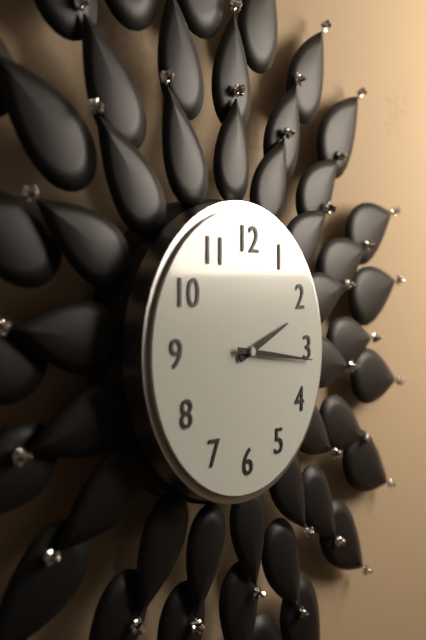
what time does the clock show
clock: 2:16
